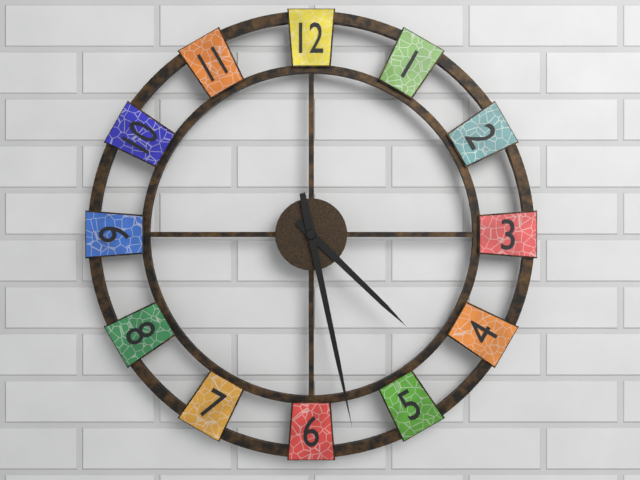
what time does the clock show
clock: 4:28
